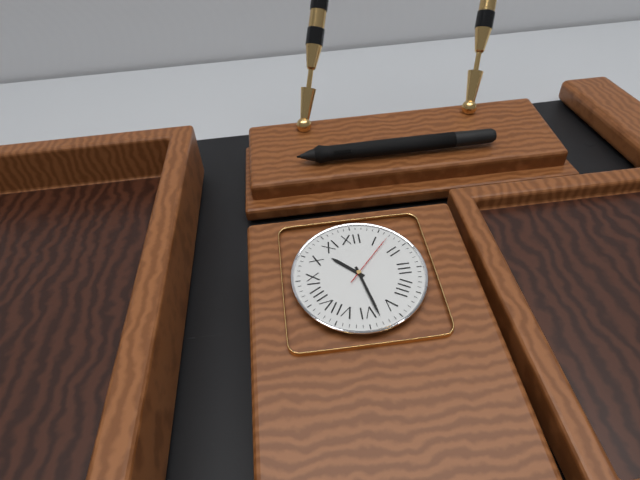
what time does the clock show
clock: 10:28:07
